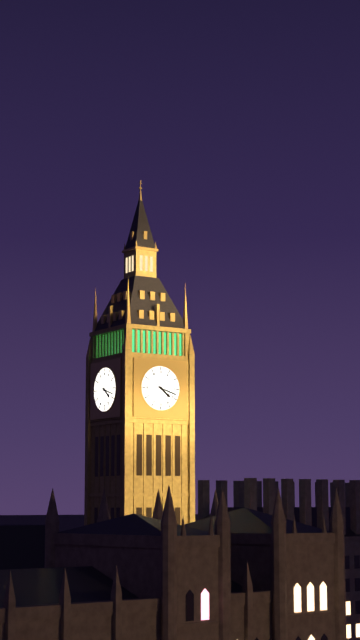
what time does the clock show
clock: 4:18
